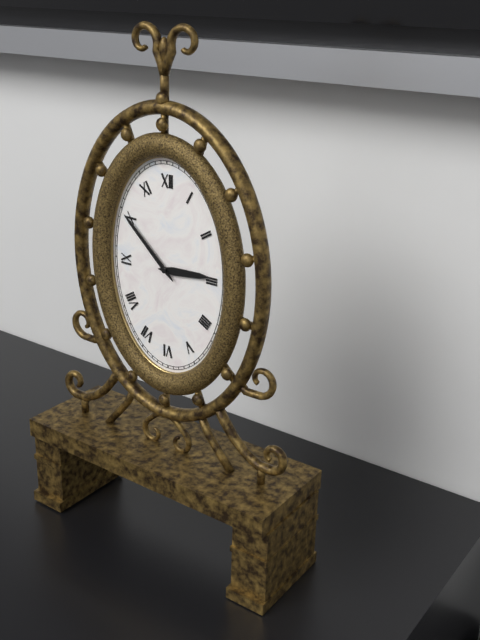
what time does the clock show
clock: 2:52
